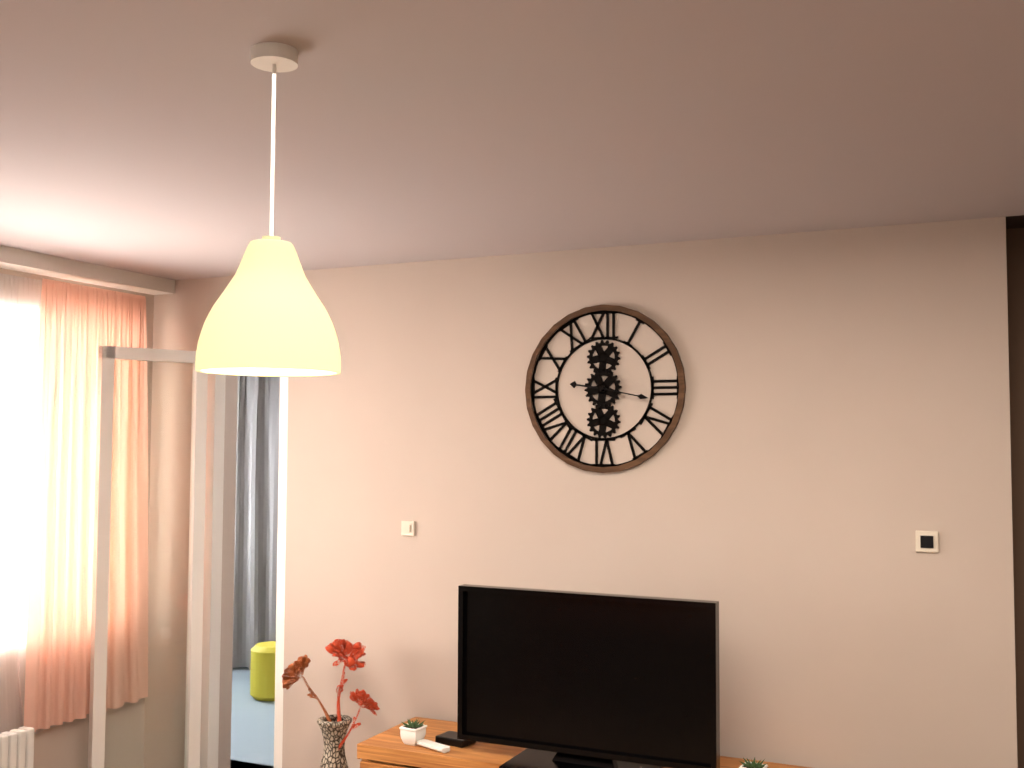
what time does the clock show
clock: 9:17
